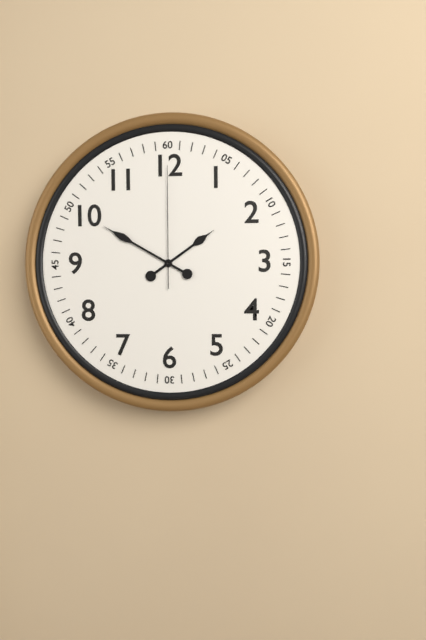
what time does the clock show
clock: 1:50:00
